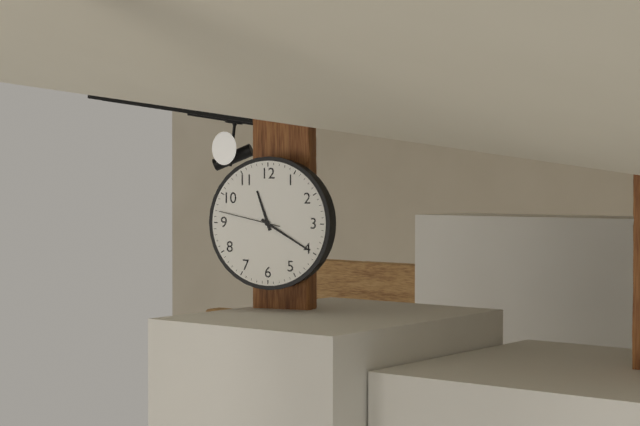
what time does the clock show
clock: 11:20:47
